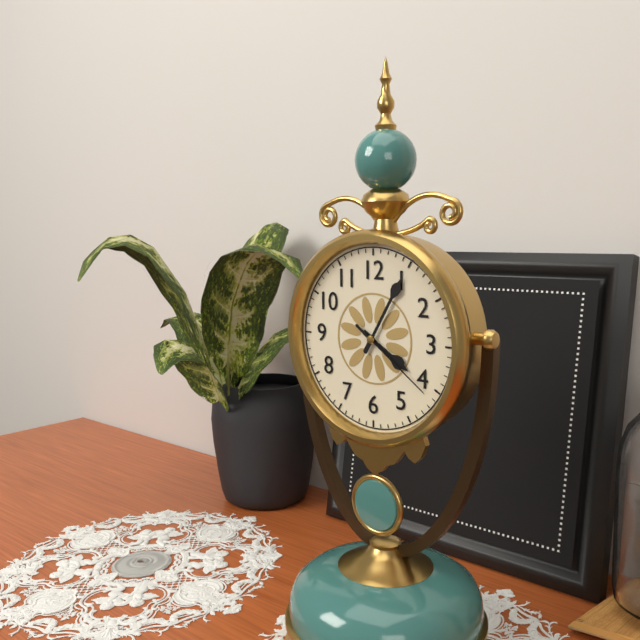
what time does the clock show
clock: 4:05:21
